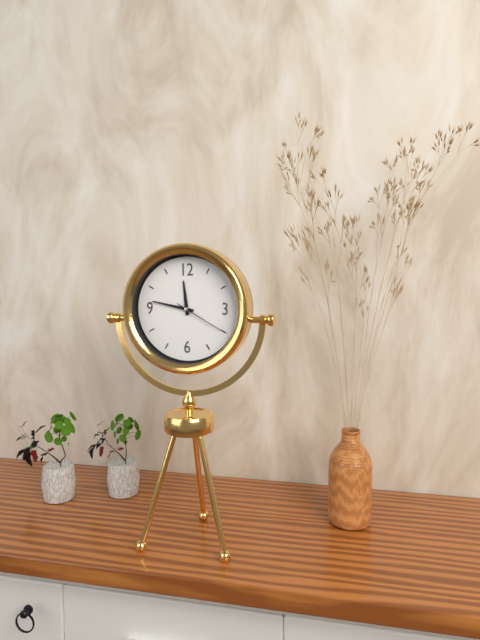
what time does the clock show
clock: 11:47:20
